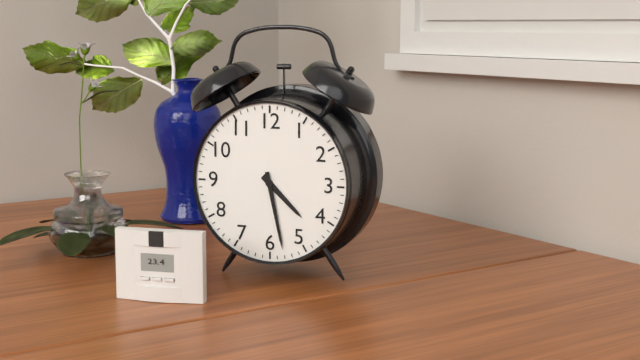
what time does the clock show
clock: 4:28
